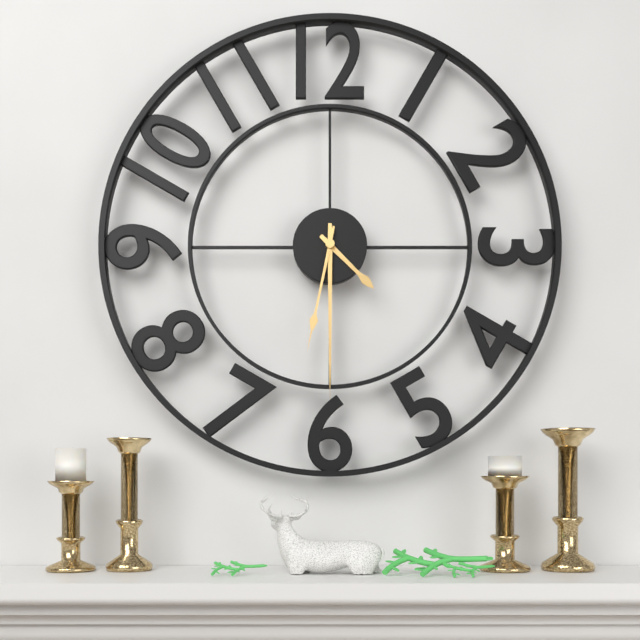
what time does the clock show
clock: 4:30:32
